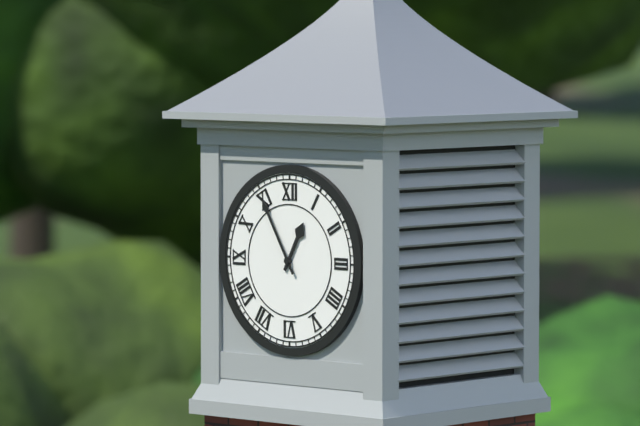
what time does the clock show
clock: 12:55
